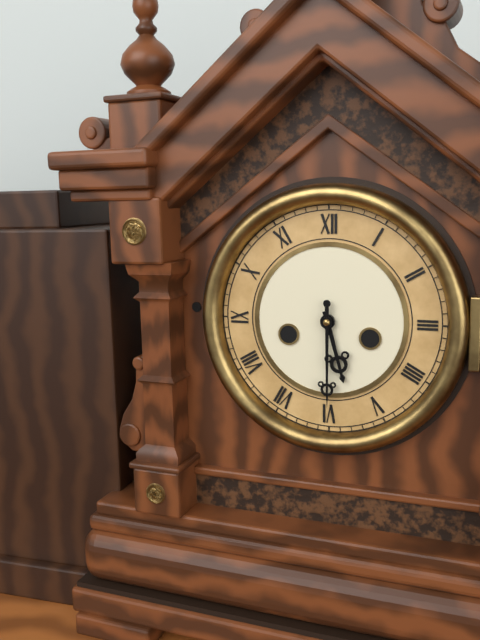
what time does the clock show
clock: 5:30
